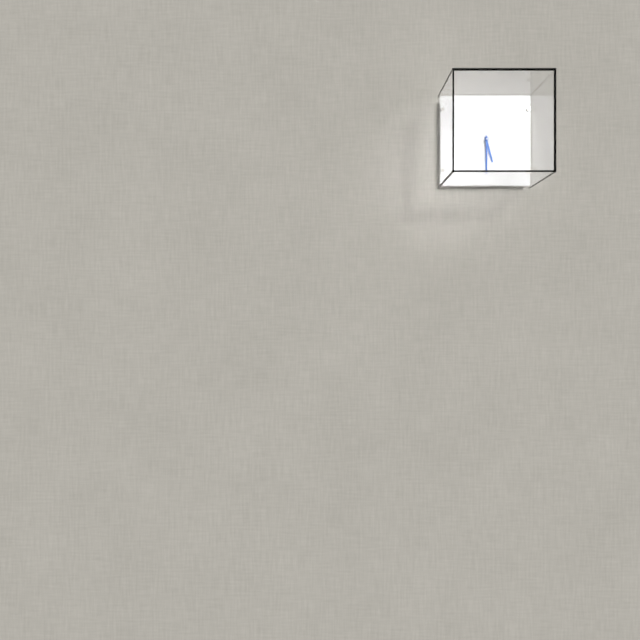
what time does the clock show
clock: 5:30
